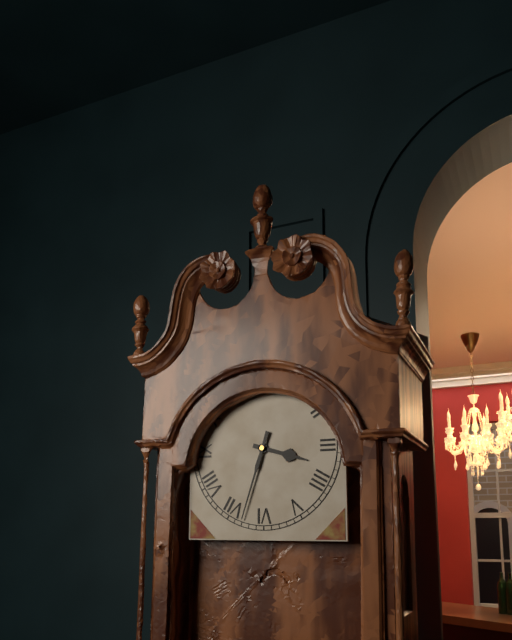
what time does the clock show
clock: 3:33
